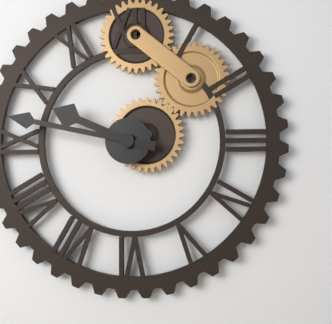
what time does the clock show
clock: 9:47
